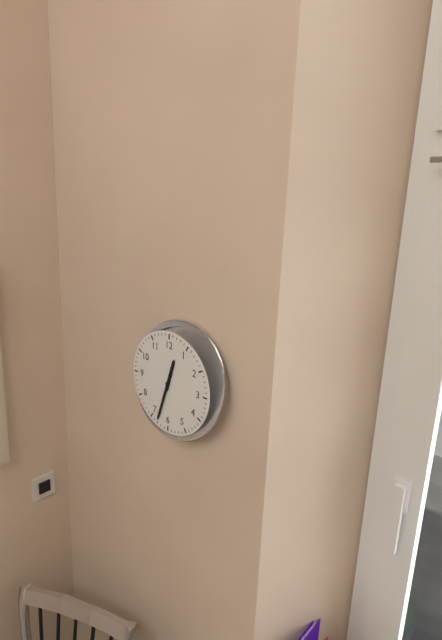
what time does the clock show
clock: 12:33
